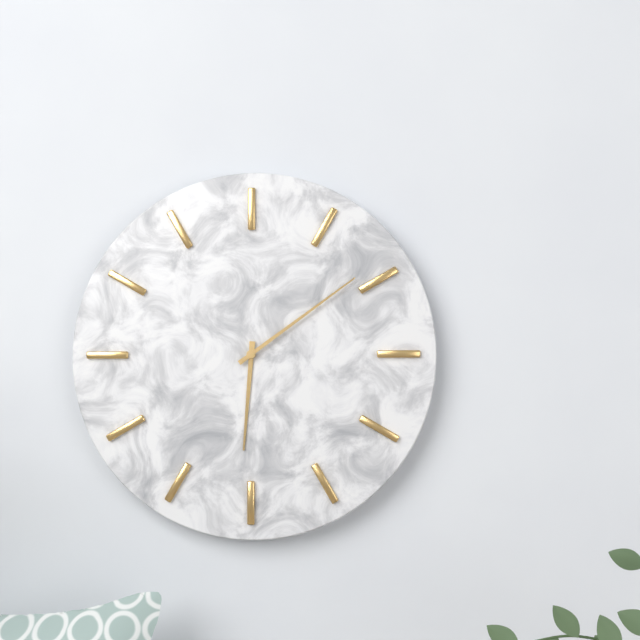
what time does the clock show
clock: 6:09
